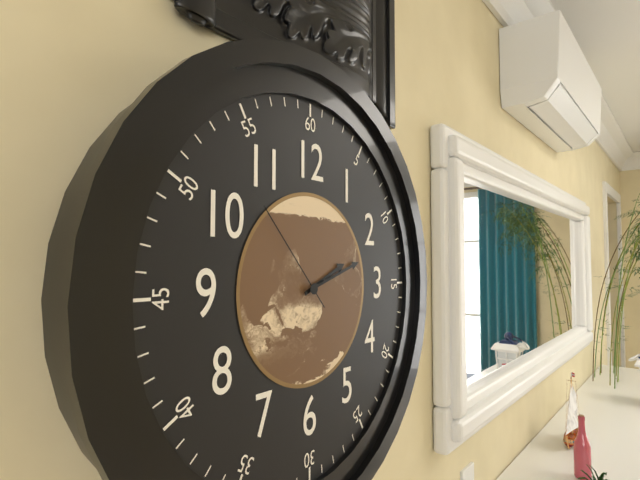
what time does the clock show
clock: 2:12:53
